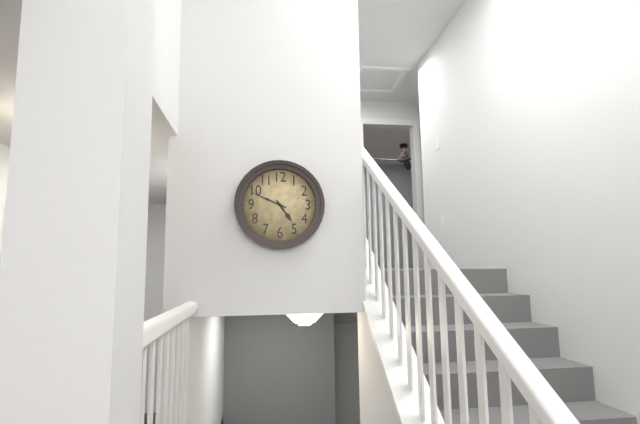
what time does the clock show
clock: 4:49
